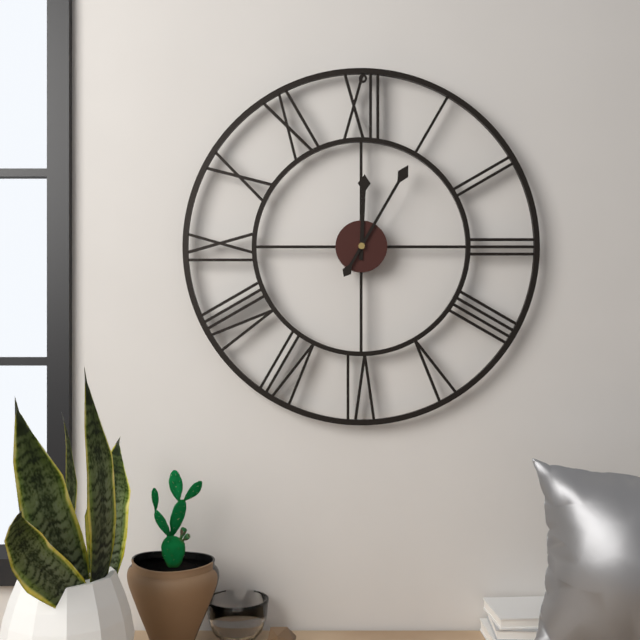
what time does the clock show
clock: 12:05
